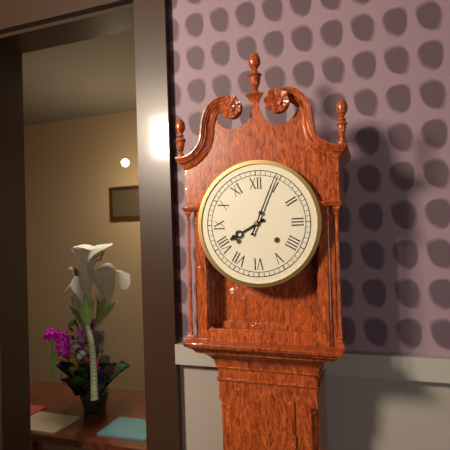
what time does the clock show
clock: 8:04
